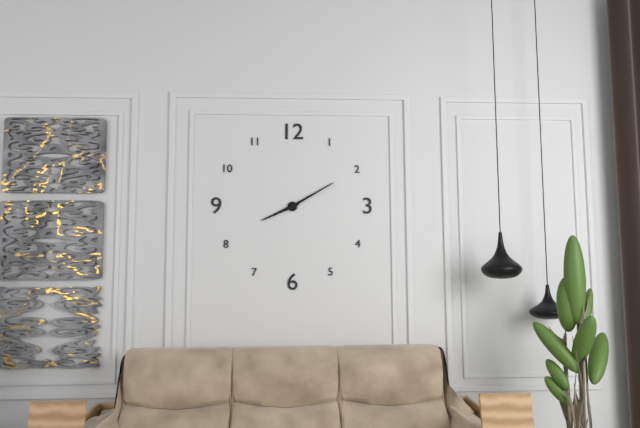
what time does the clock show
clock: 8:10
